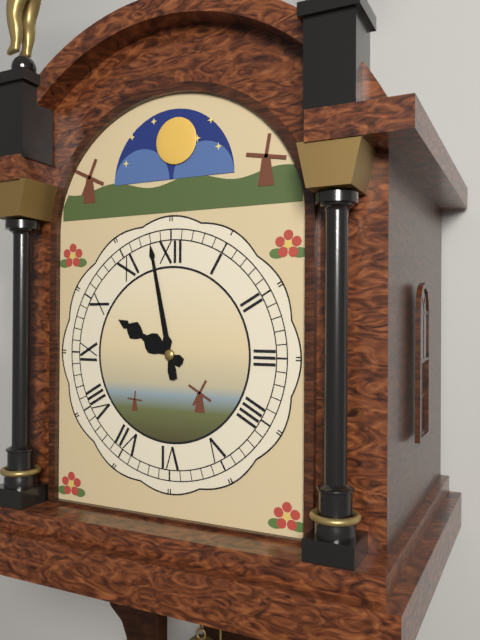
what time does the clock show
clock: 9:58
